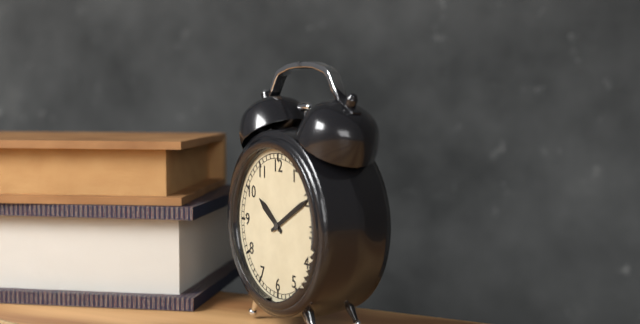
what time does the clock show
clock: 10:10
